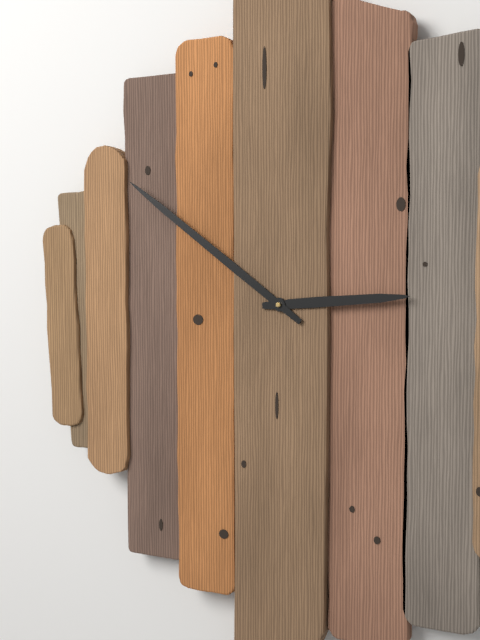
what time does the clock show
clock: 2:51
